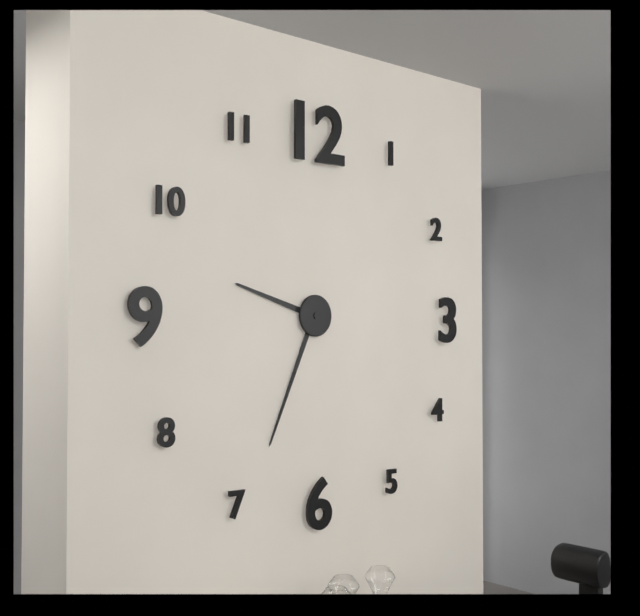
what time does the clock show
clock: 9:34
